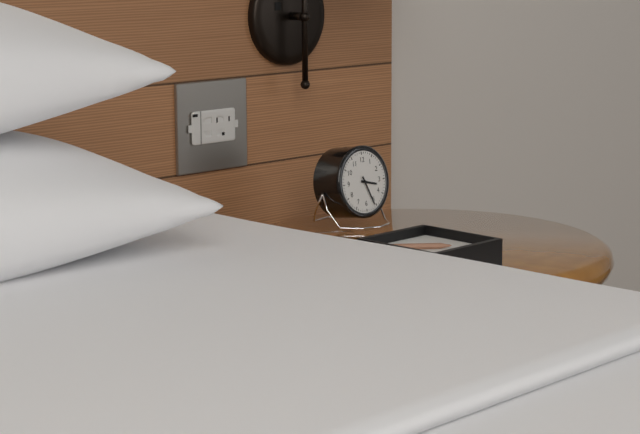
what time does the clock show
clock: 3:26
